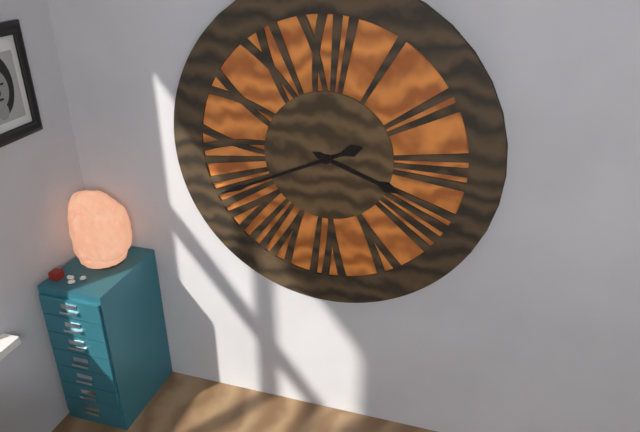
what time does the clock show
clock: 3:41
